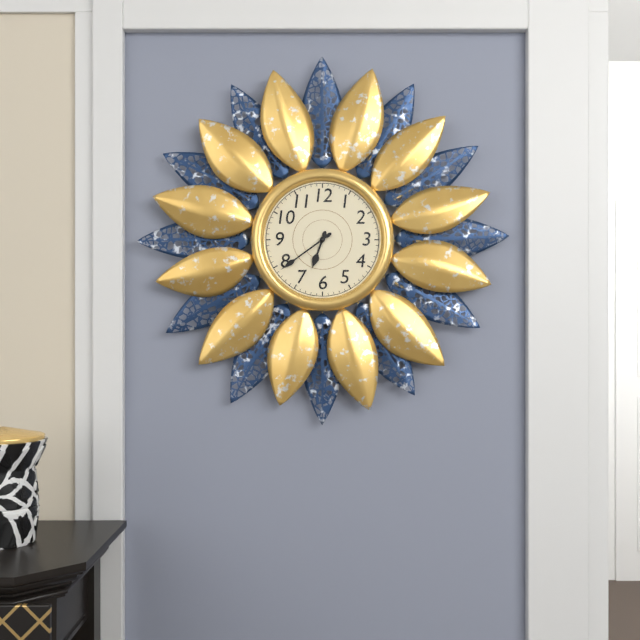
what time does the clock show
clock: 6:39
